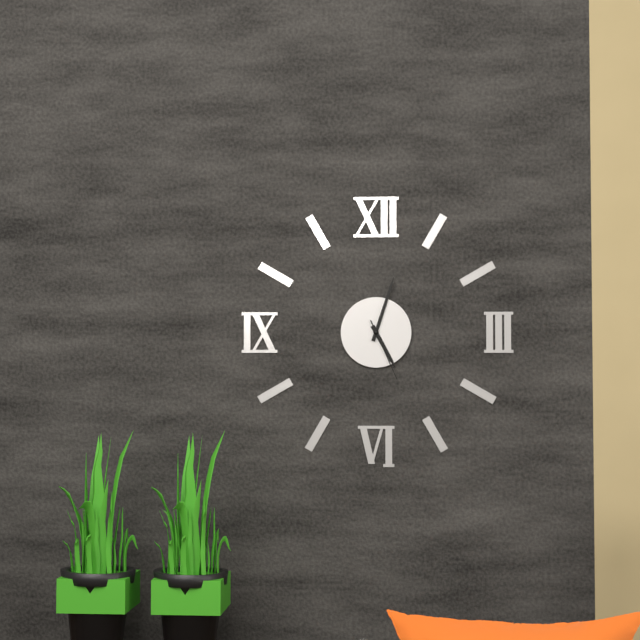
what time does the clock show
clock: 5:03:26
